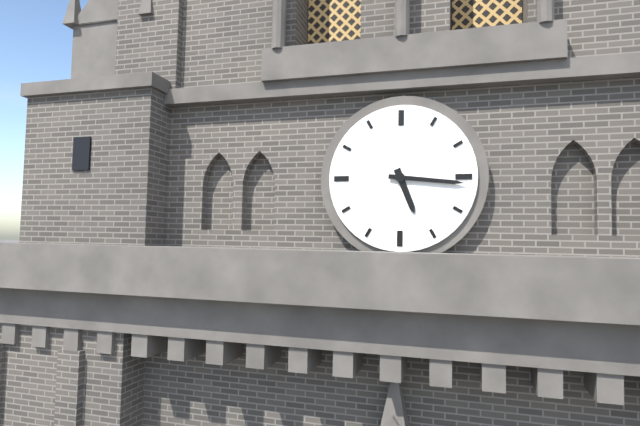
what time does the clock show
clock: 5:16
